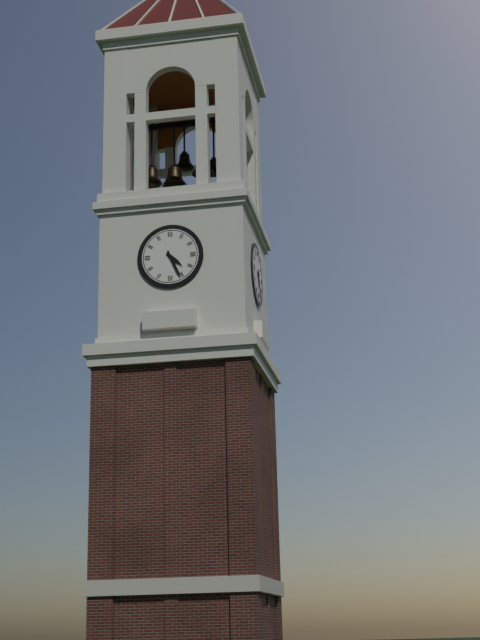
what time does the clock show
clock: 4:26
